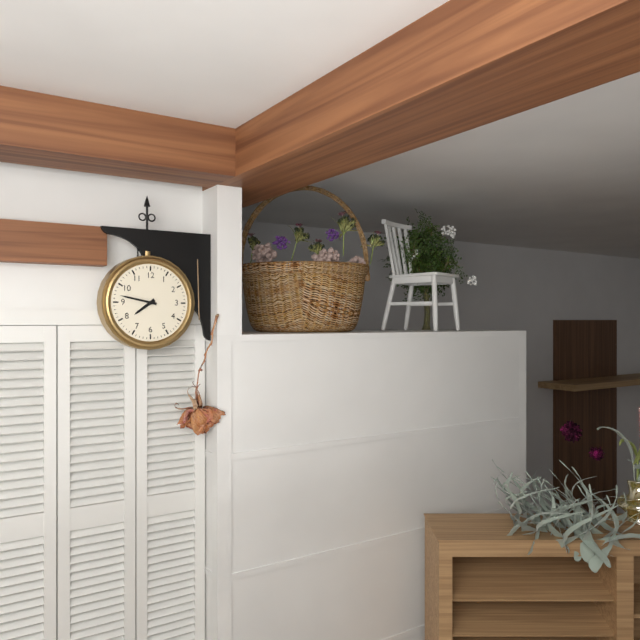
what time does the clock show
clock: 7:47
